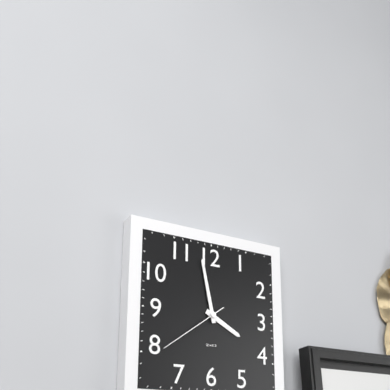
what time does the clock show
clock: 3:58:39
